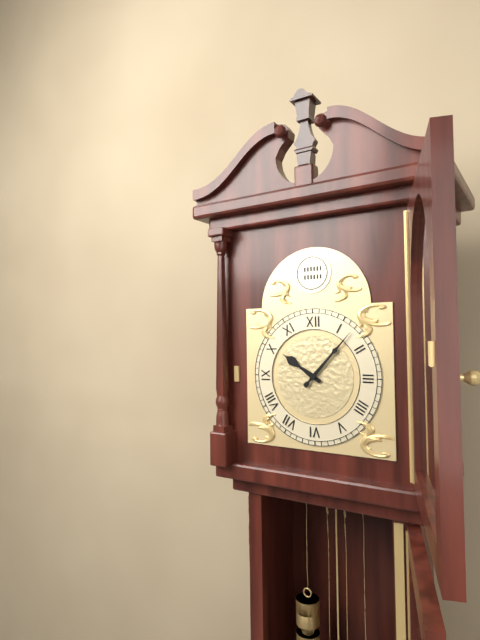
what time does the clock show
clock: 10:07
